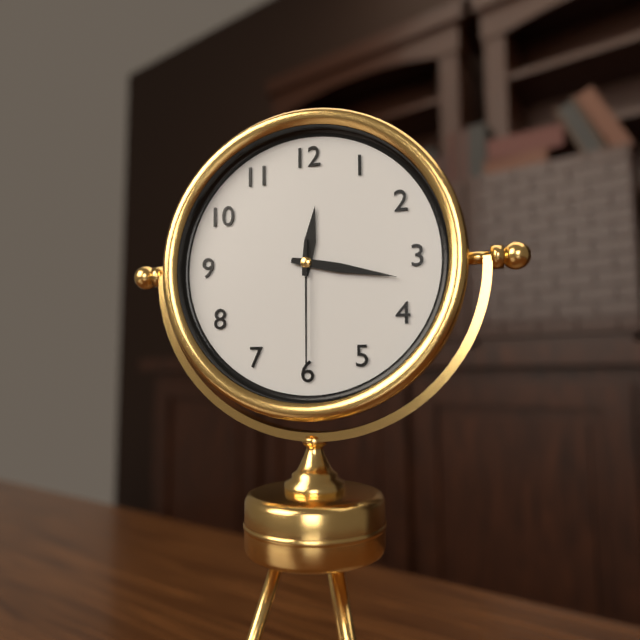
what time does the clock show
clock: 12:17:30
